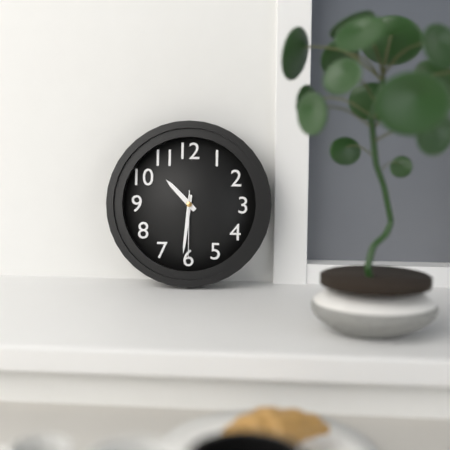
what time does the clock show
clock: 10:31:30
